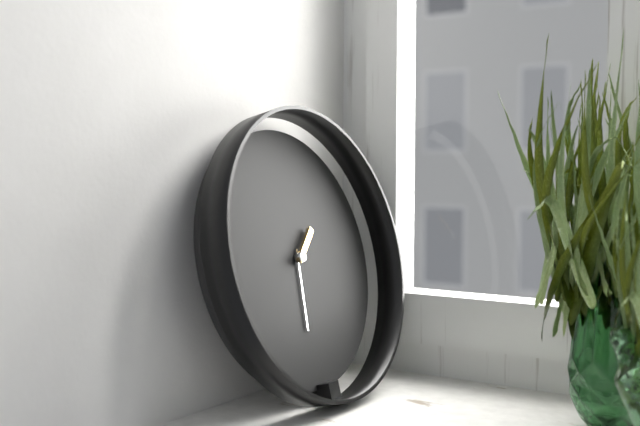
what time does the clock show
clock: 1:31
